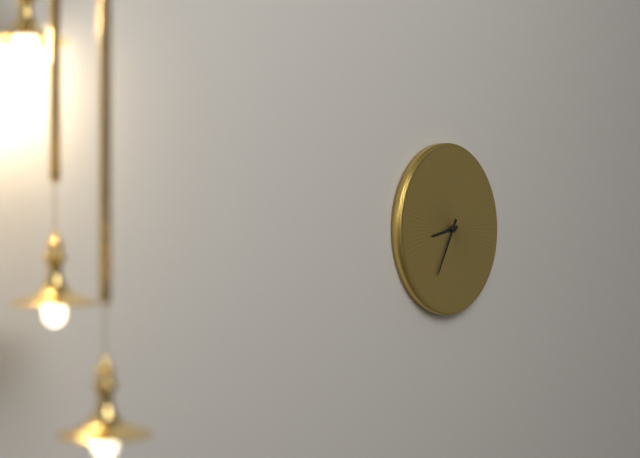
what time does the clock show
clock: 8:35
